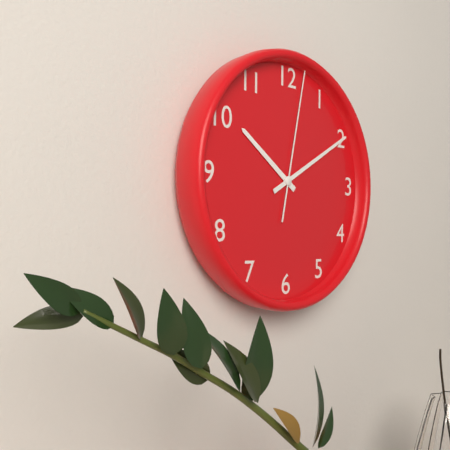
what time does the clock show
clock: 10:10:02
